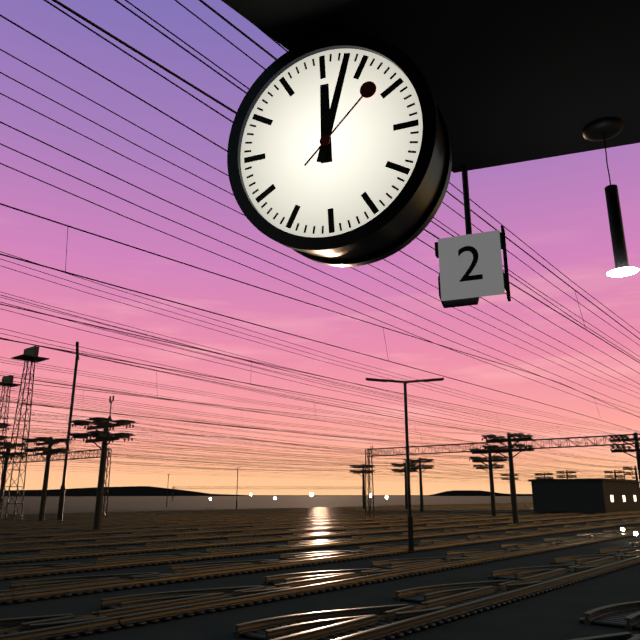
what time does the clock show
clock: 12:03:08
